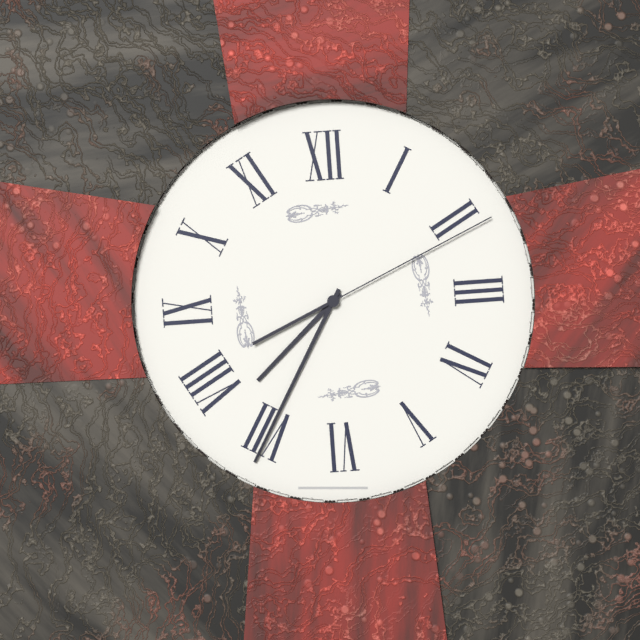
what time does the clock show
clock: 7:35:11
